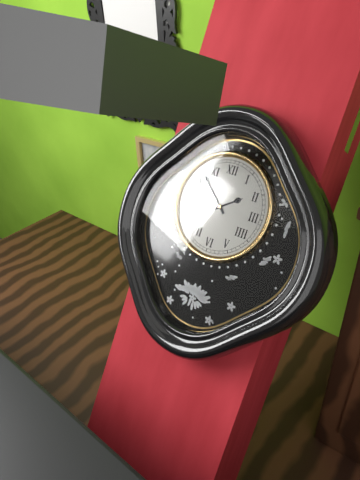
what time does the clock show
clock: 1:52
